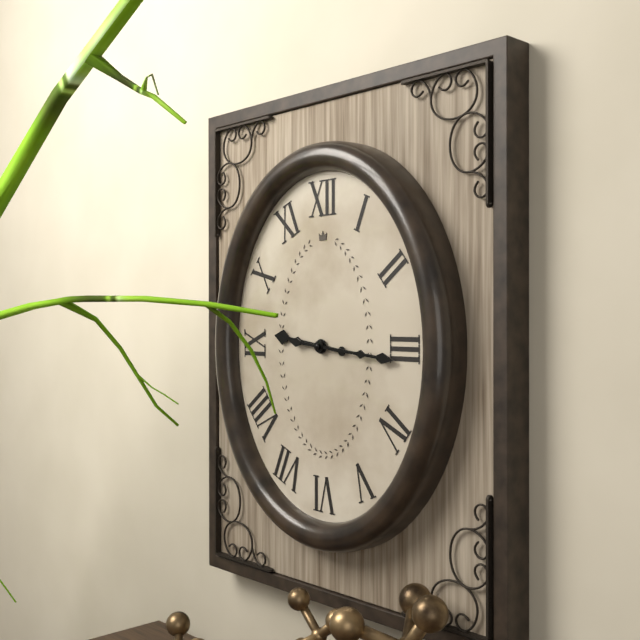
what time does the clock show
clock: 9:16
